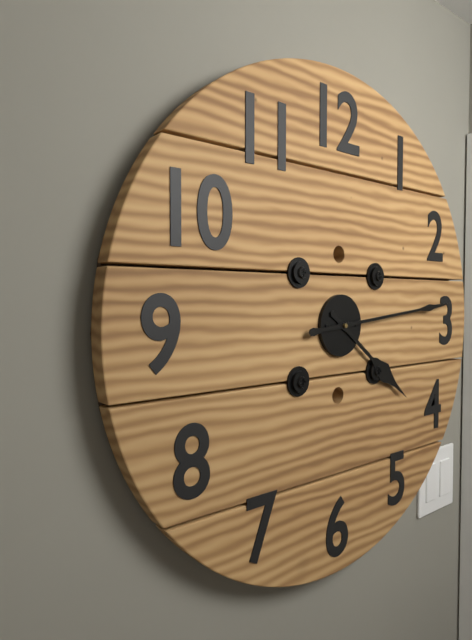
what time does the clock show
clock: 4:14
